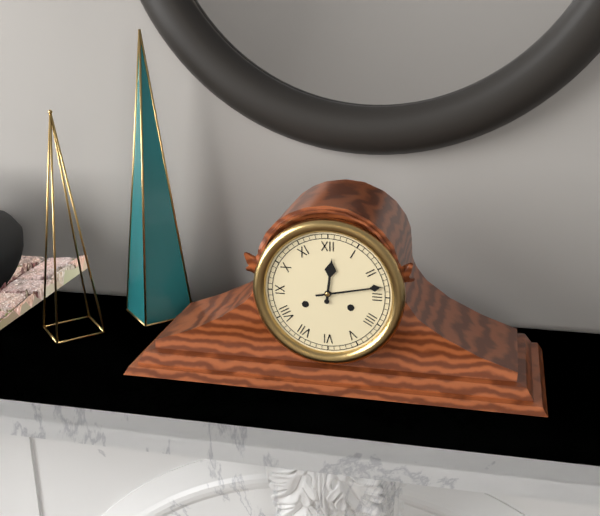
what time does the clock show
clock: 12:13
